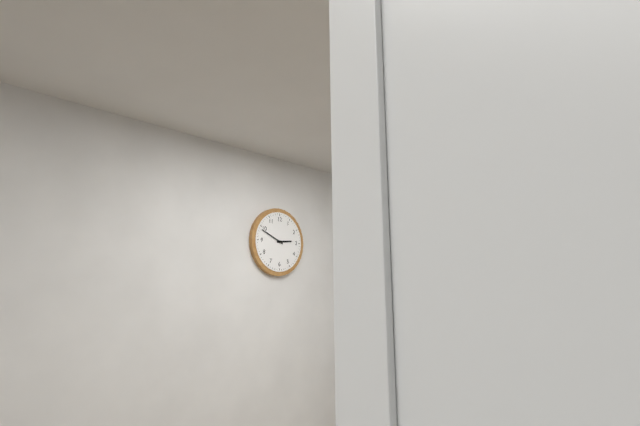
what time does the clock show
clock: 2:49
